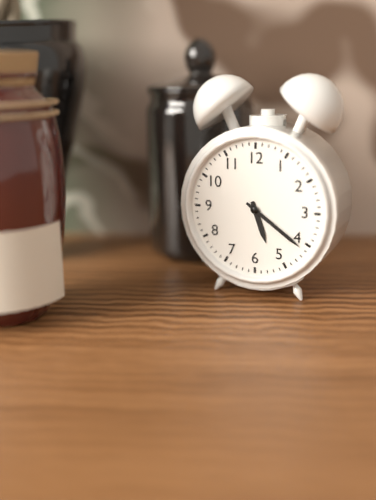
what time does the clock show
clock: 5:21
